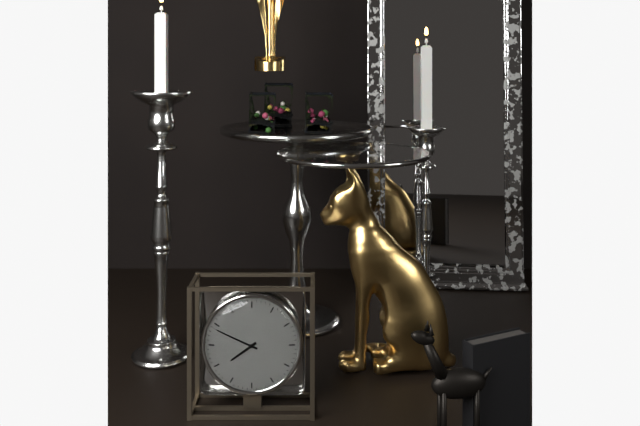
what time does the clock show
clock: 7:49
